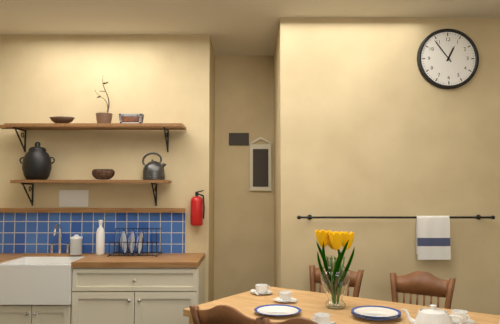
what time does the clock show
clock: 12:54
